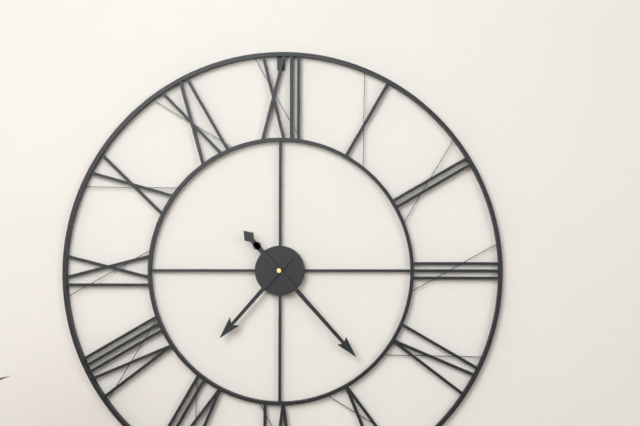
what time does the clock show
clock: 7:23
